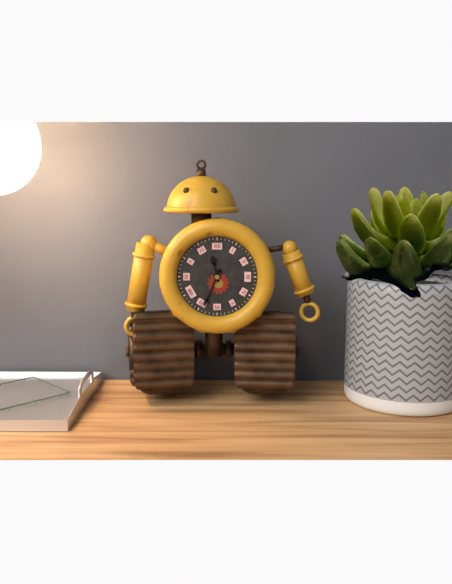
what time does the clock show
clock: 11:34
